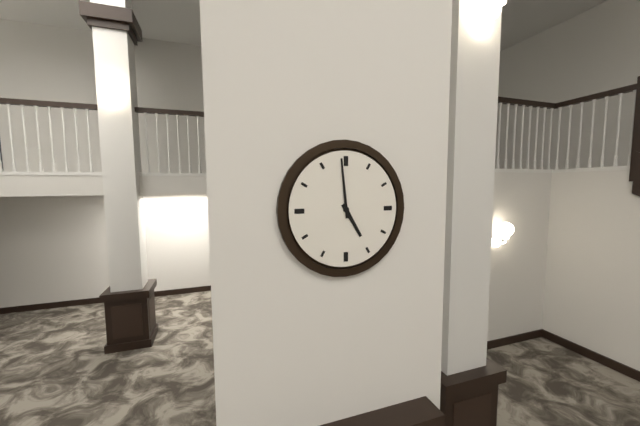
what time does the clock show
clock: 4:59
